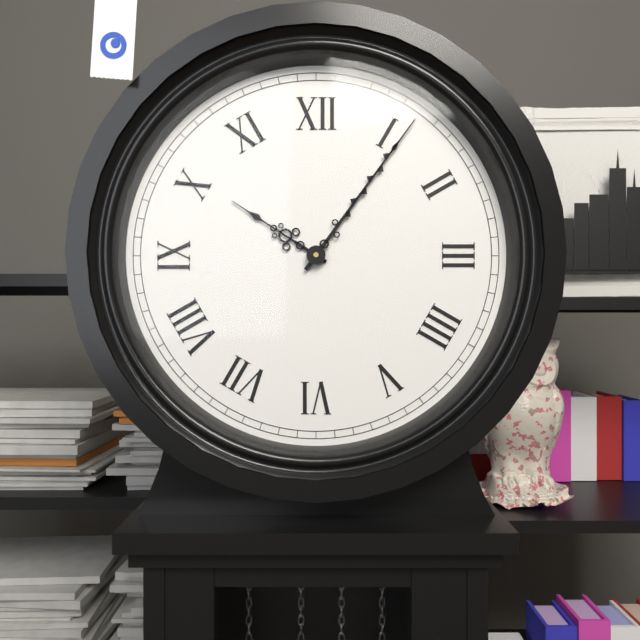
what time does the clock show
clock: 10:06
